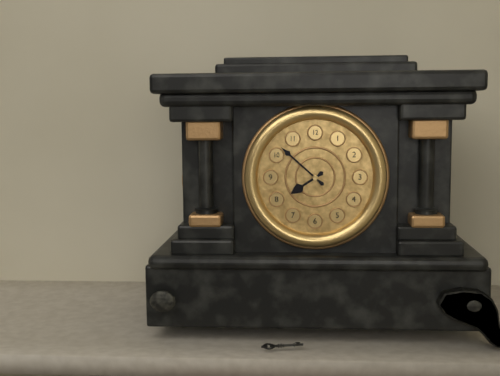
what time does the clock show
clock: 7:52
